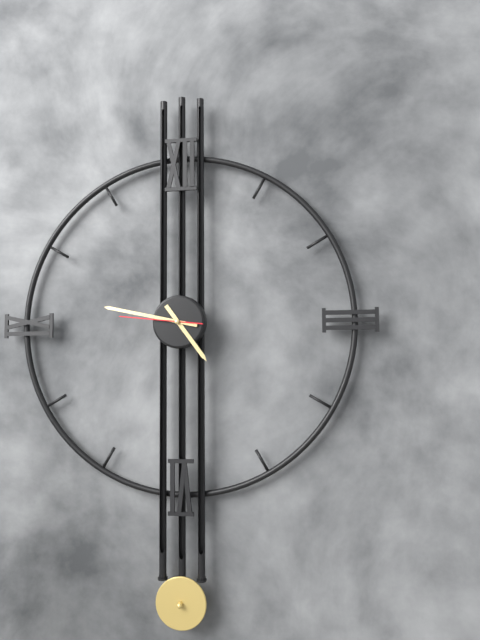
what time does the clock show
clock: 4:47:46
